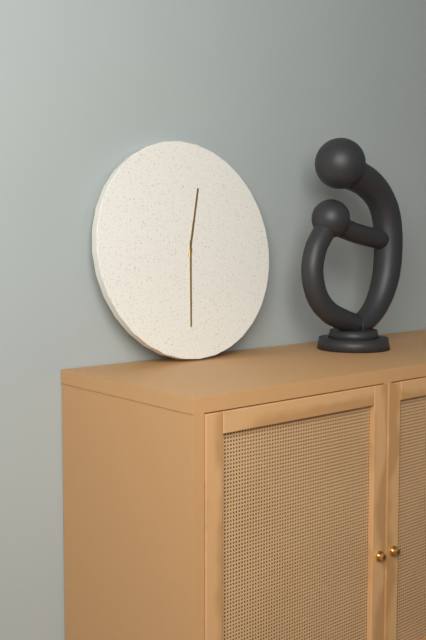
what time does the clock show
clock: 12:31
